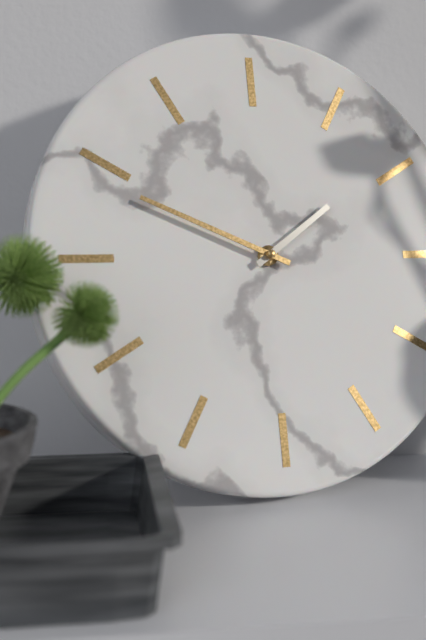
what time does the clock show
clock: 1:49
